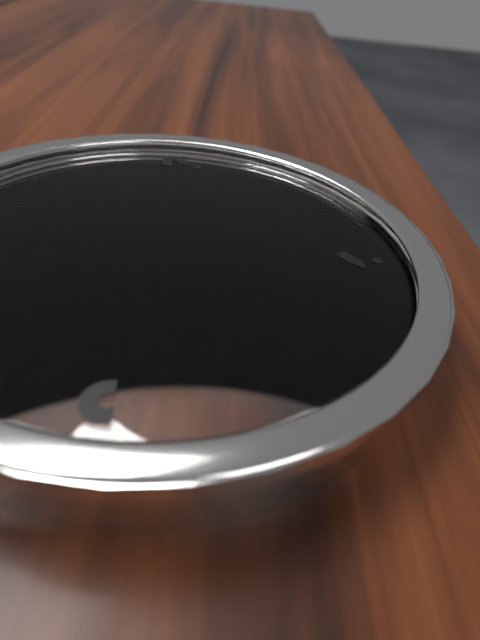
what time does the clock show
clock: 7:38
